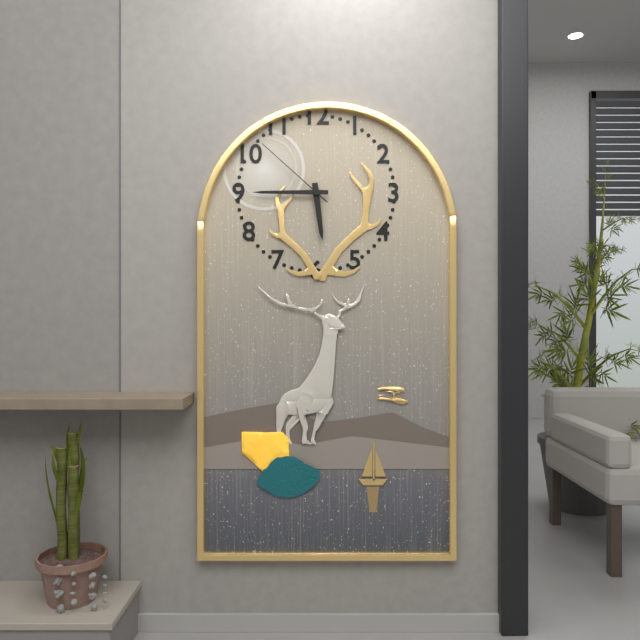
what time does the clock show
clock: 5:45:52
